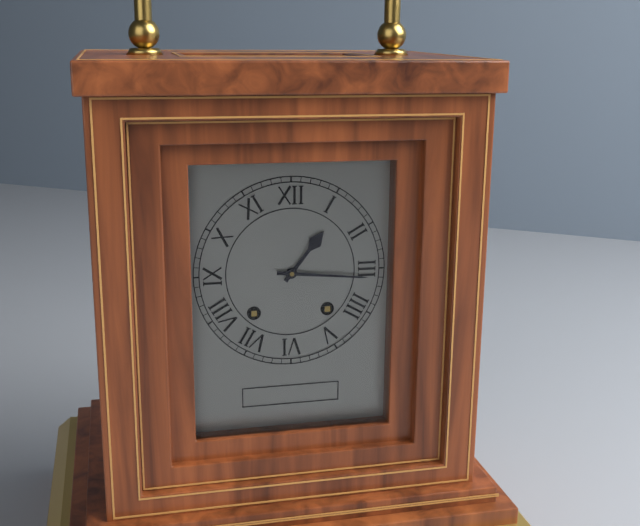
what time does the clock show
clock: 1:16
